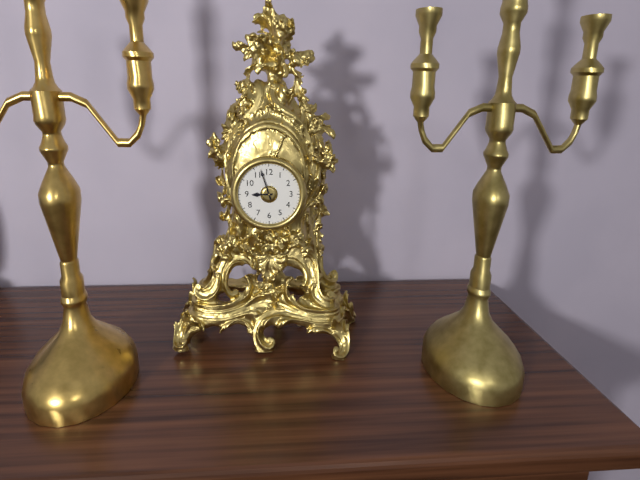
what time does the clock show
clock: 8:57
